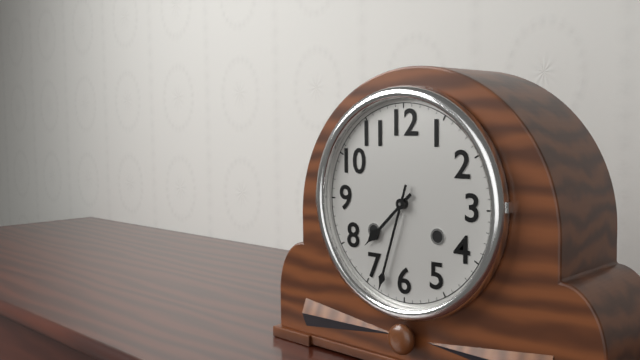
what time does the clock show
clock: 7:33
